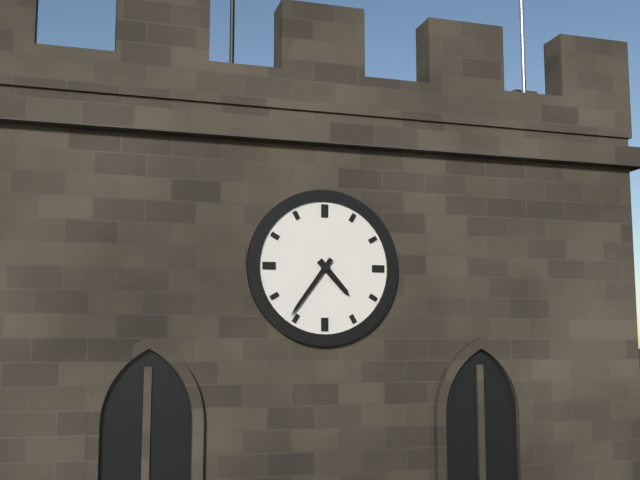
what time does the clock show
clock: 4:36
